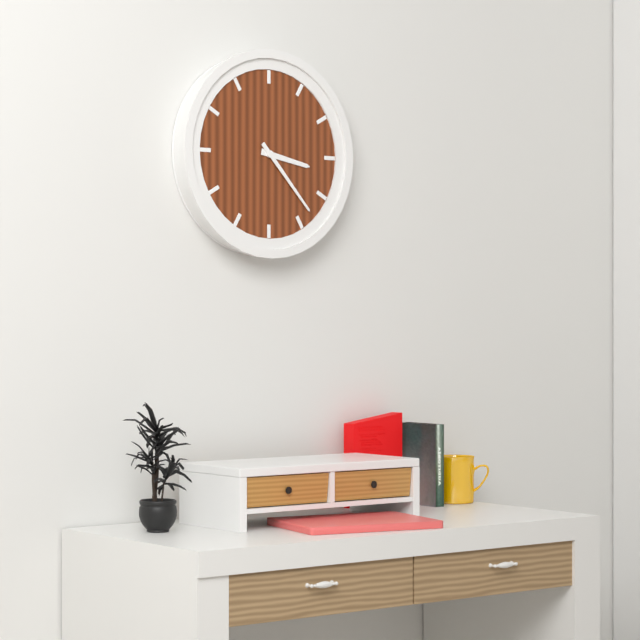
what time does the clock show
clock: 3:23
